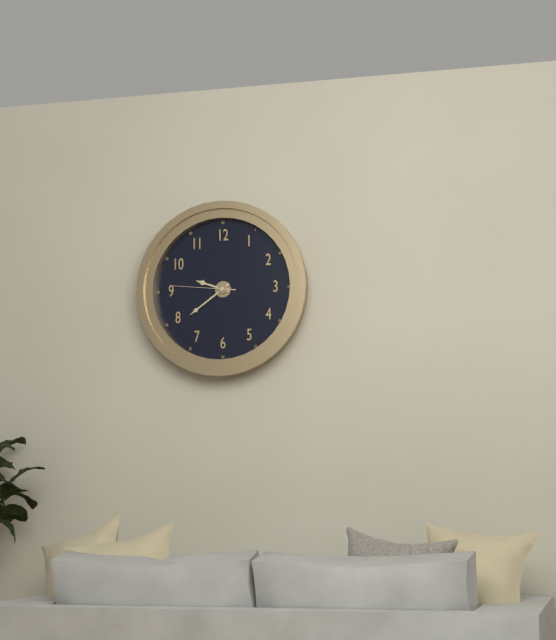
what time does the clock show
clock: 9:39:46
